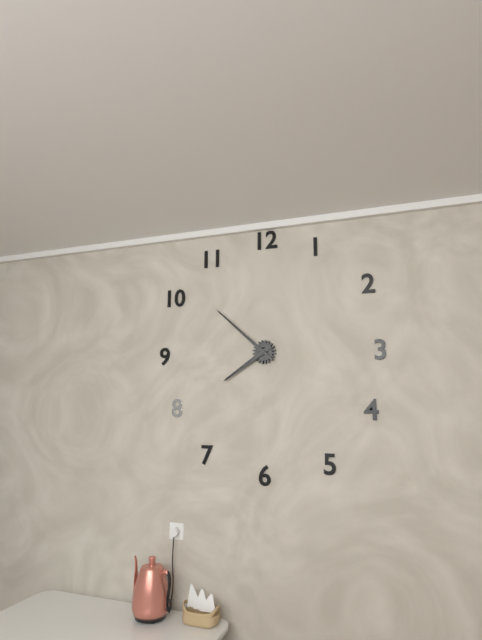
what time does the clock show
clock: 7:52
